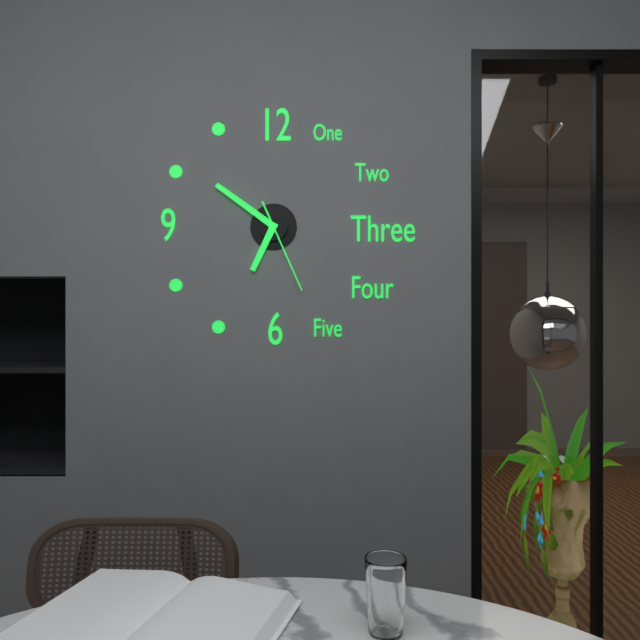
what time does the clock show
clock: 6:51:26
